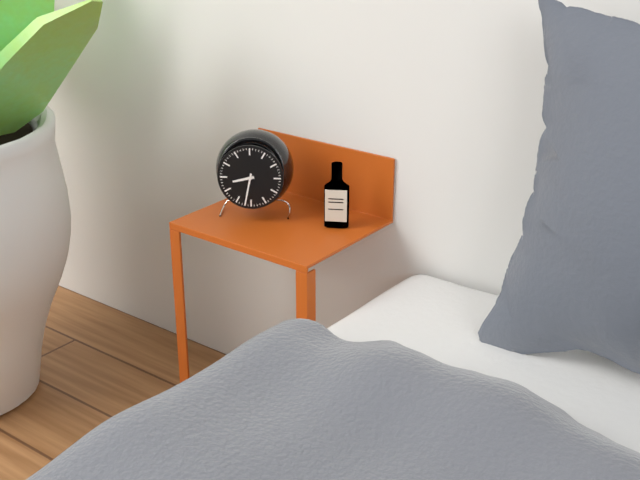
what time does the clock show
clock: 8:32
